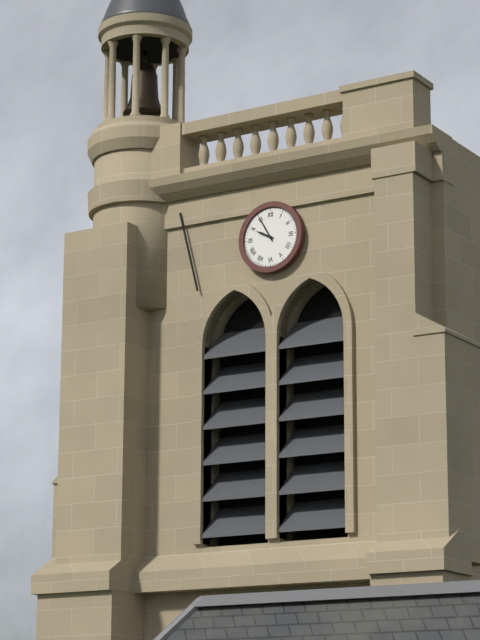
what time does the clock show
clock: 9:55
